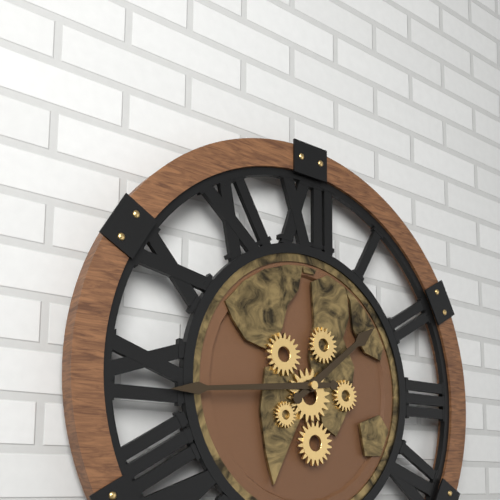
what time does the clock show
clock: 1:44
